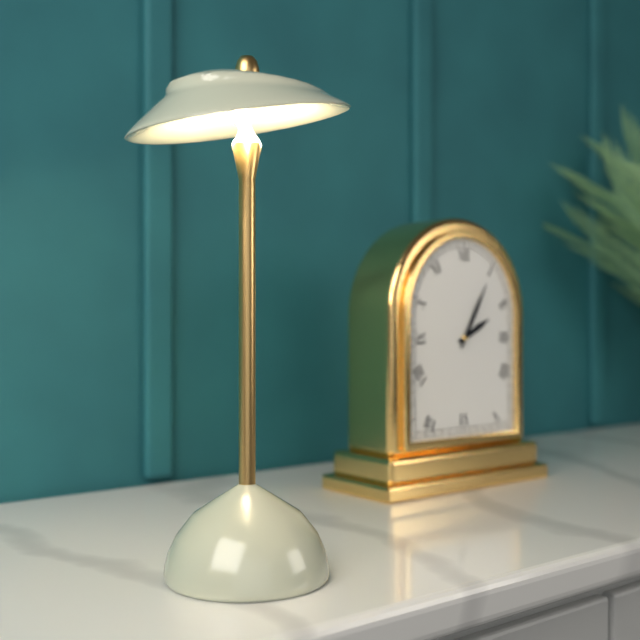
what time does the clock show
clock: 2:05
